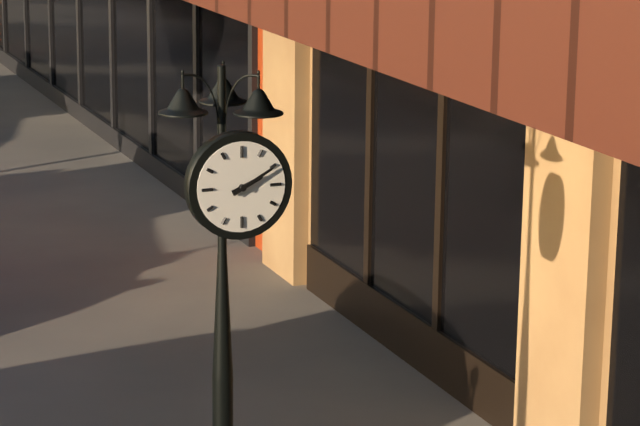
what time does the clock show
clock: 2:10
